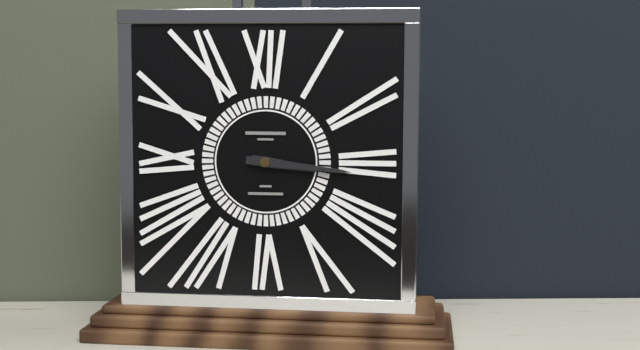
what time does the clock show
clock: 3:16
